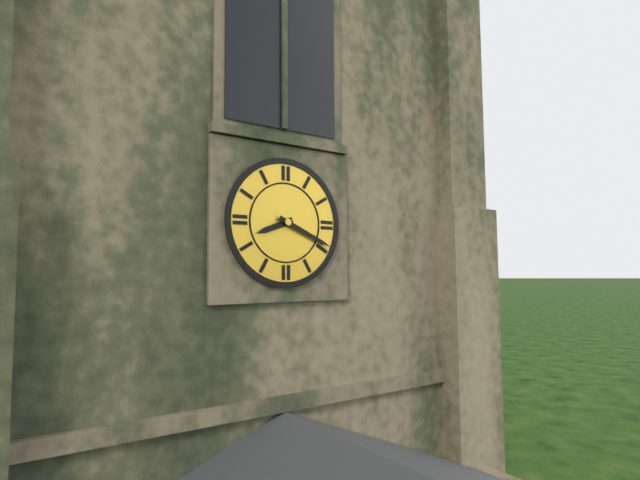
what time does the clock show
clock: 8:19
